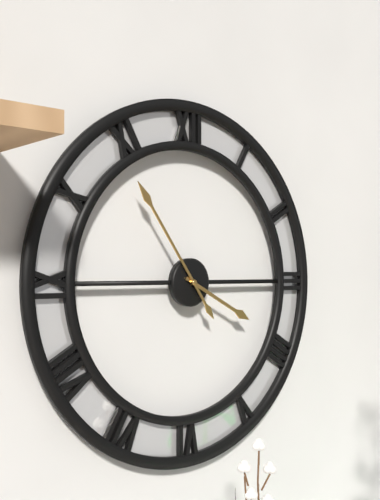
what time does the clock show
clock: 3:54
